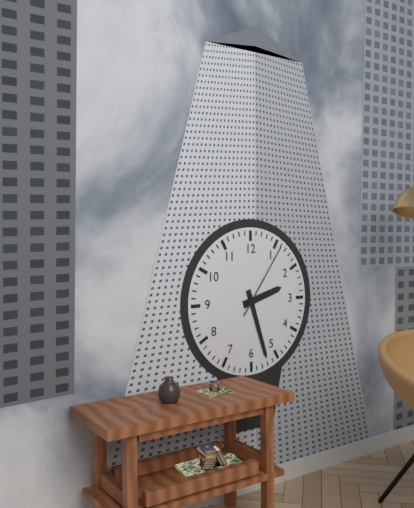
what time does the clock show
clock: 2:27:06
